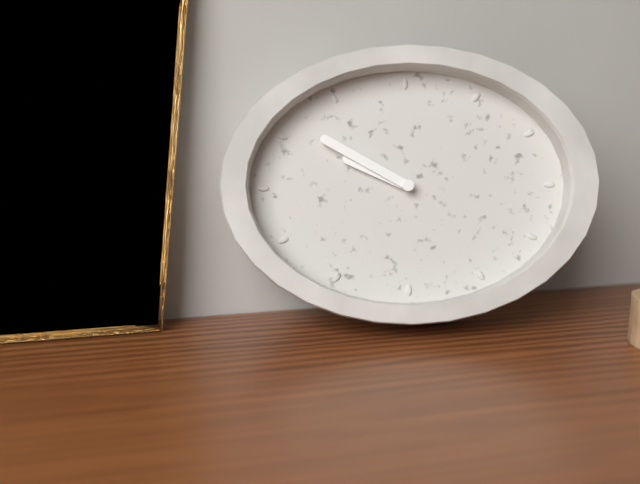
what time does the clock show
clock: 9:50
